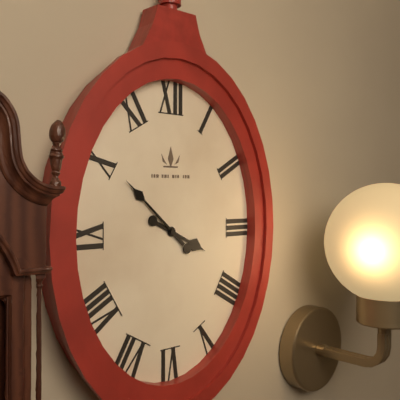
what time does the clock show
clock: 3:52
